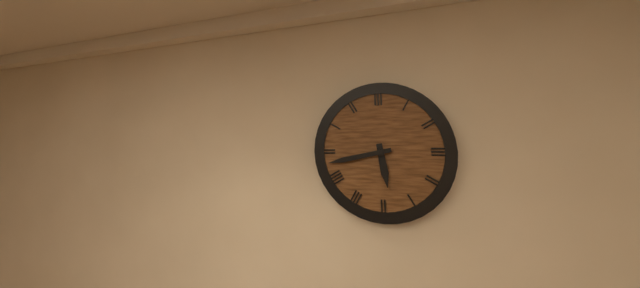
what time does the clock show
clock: 5:43
